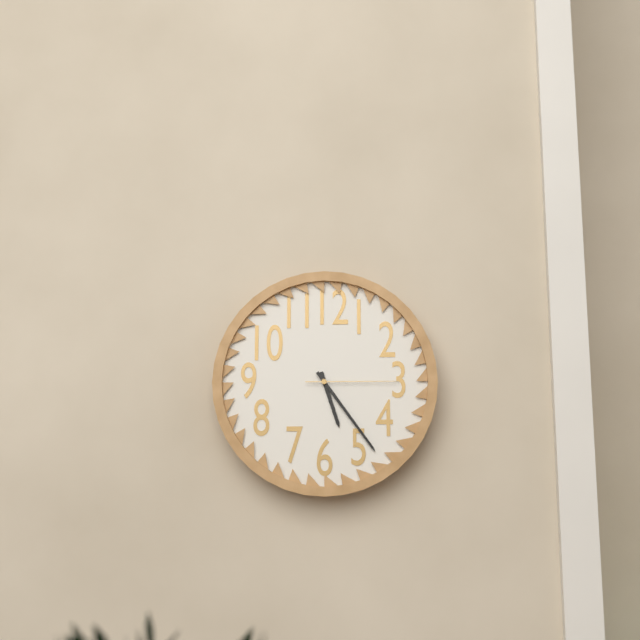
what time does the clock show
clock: 5:24:15
